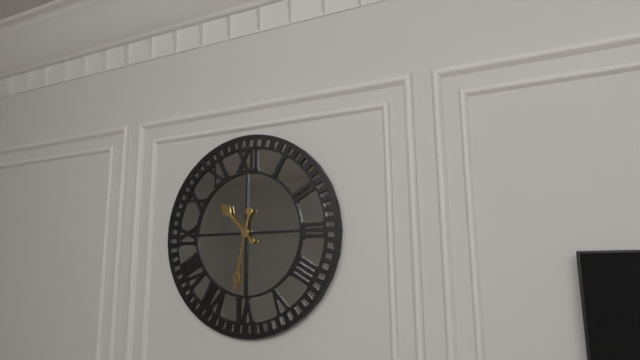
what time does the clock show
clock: 10:32
